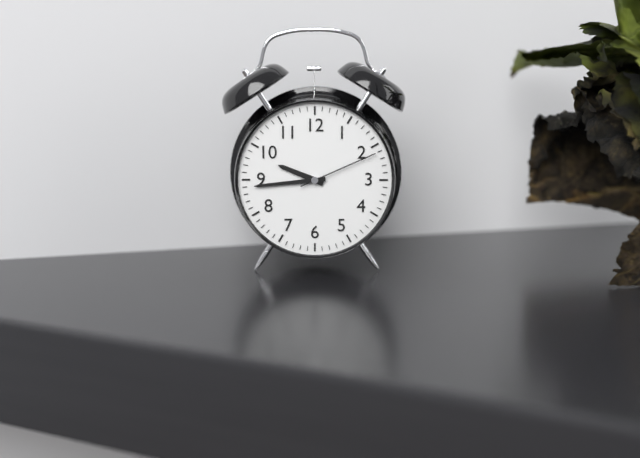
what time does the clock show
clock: 9:44:11
